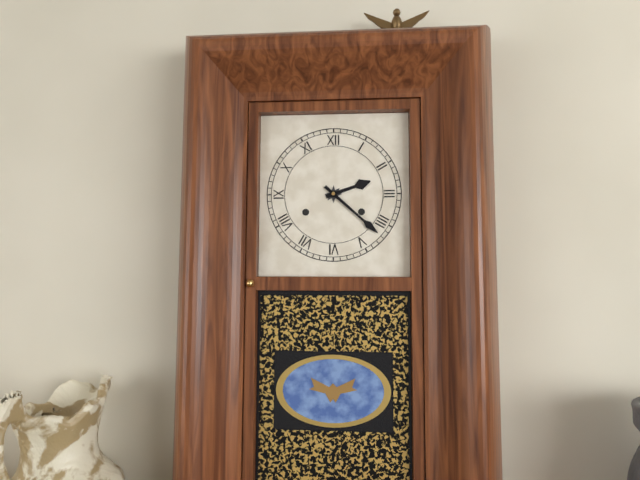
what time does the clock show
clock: 2:22
